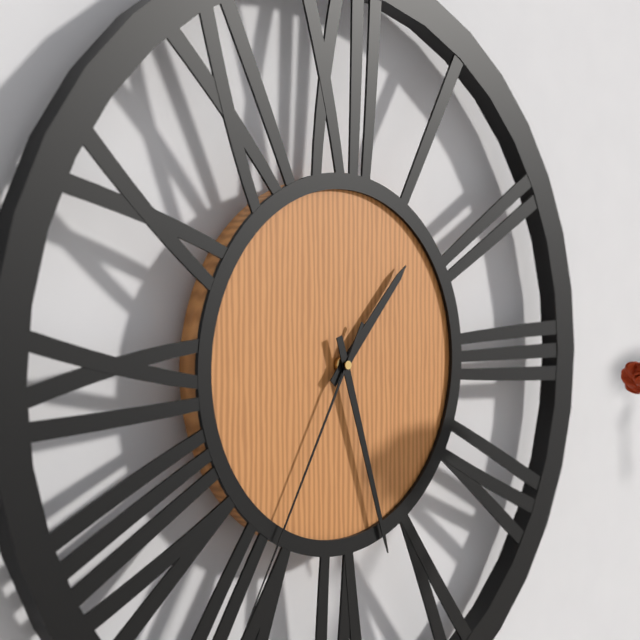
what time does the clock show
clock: 1:27:35
